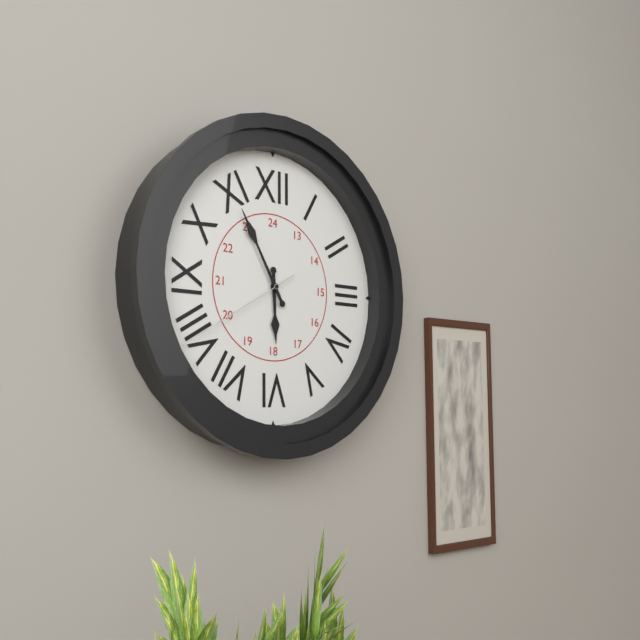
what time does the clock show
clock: 5:55:40
